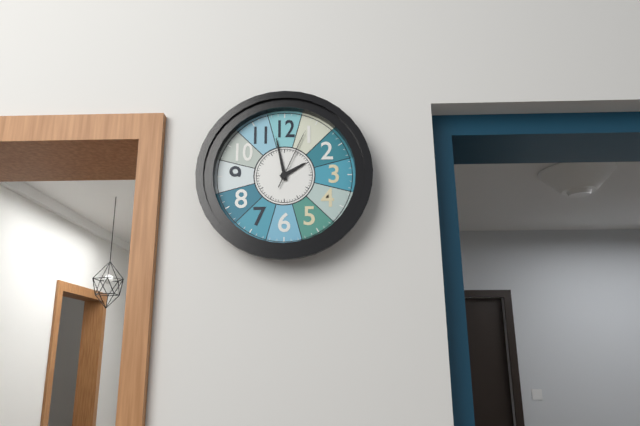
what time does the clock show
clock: 1:58:04
